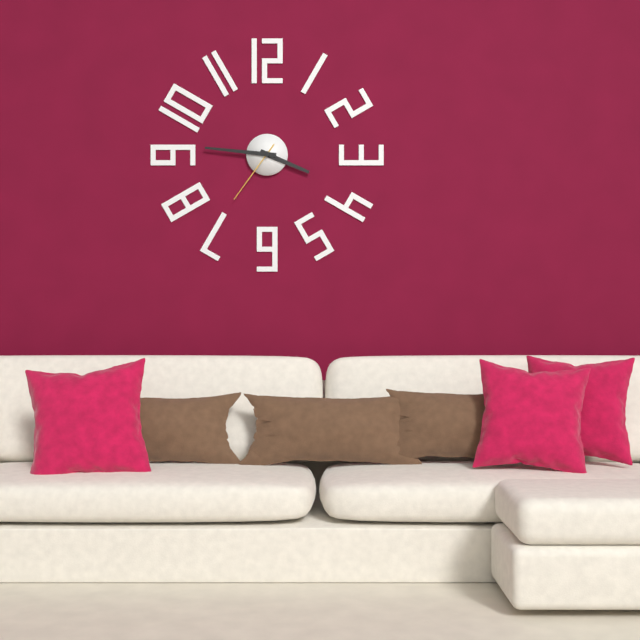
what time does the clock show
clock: 3:46:36
